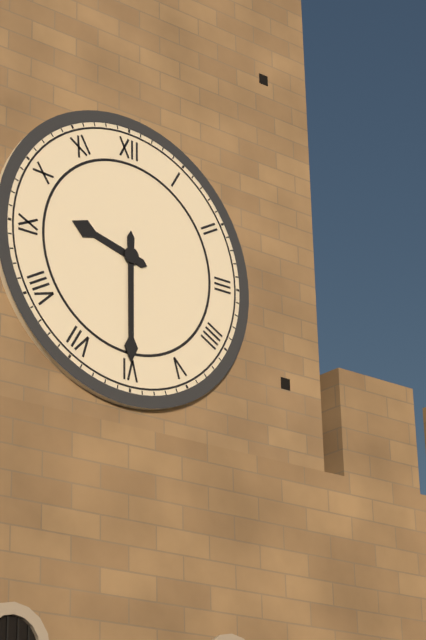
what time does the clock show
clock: 9:30
